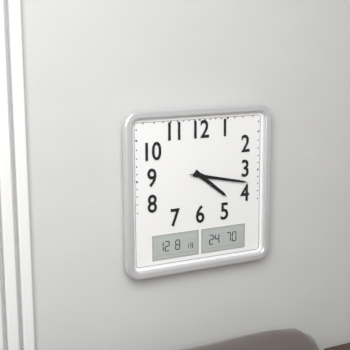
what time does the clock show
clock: 4:17:17
